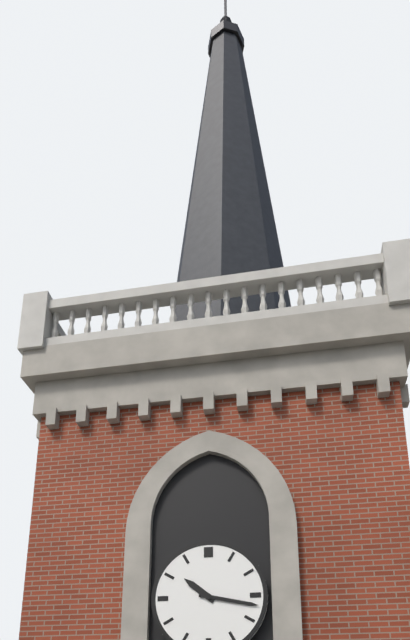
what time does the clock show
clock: 10:17
